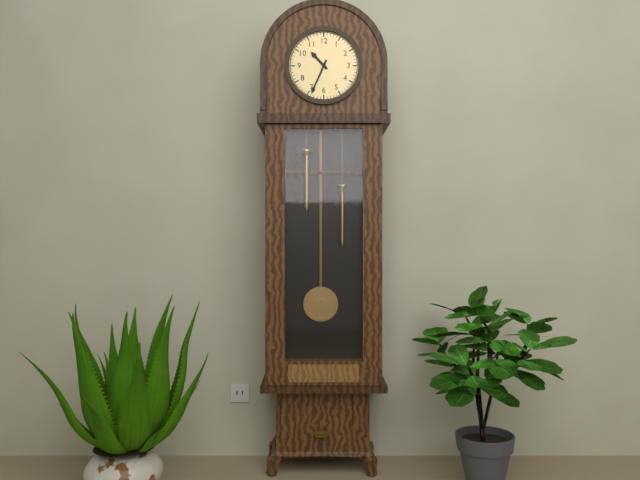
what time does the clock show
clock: 10:34
